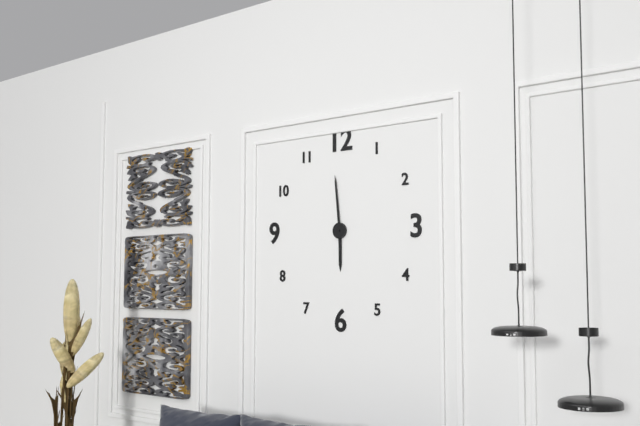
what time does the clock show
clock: 5:59
